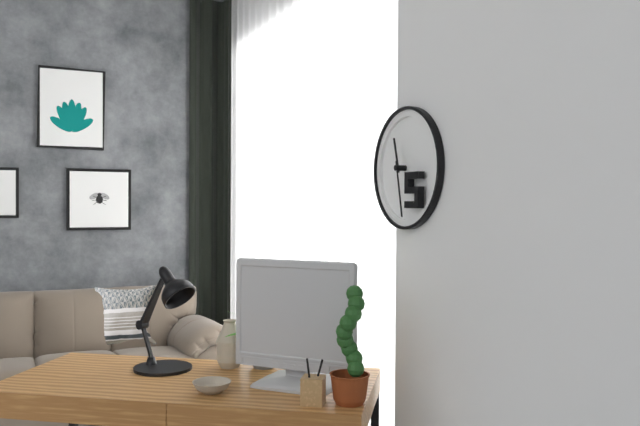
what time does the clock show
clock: 11:28
